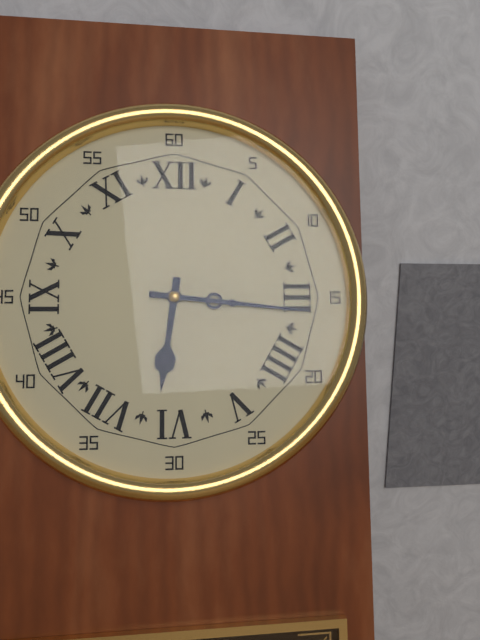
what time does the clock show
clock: 6:16
